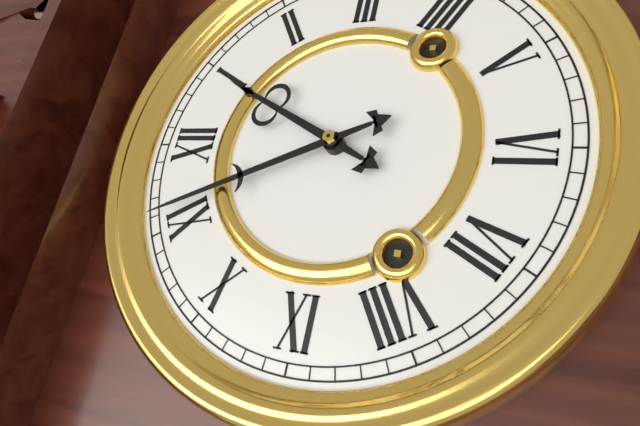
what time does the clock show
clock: 12:56
